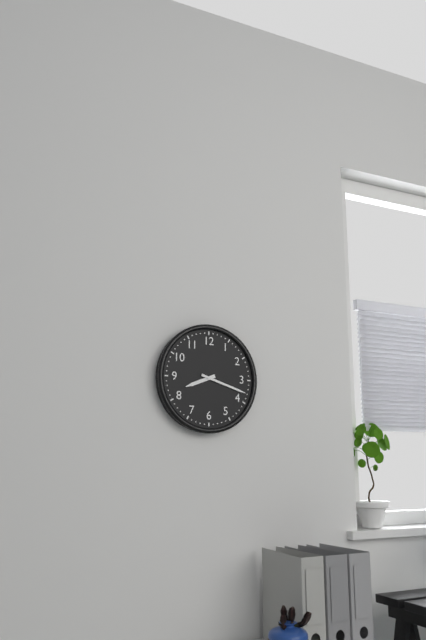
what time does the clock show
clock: 8:18
